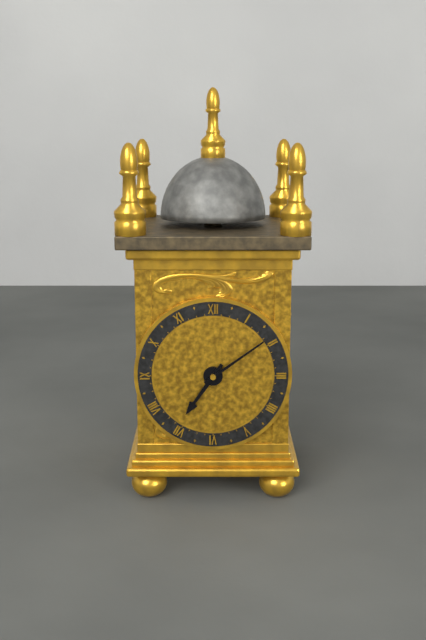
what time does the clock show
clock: 7:09
